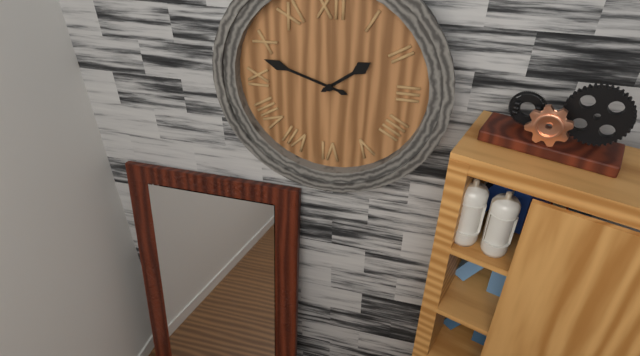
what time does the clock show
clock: 1:48
